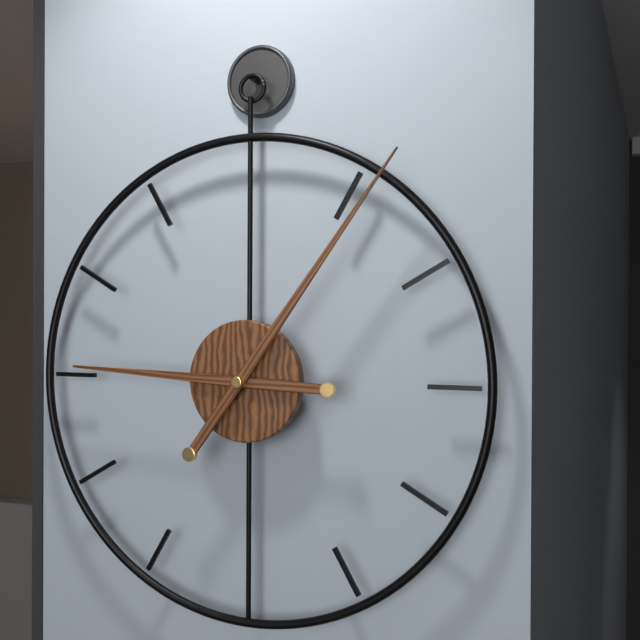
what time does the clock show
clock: 9:06
